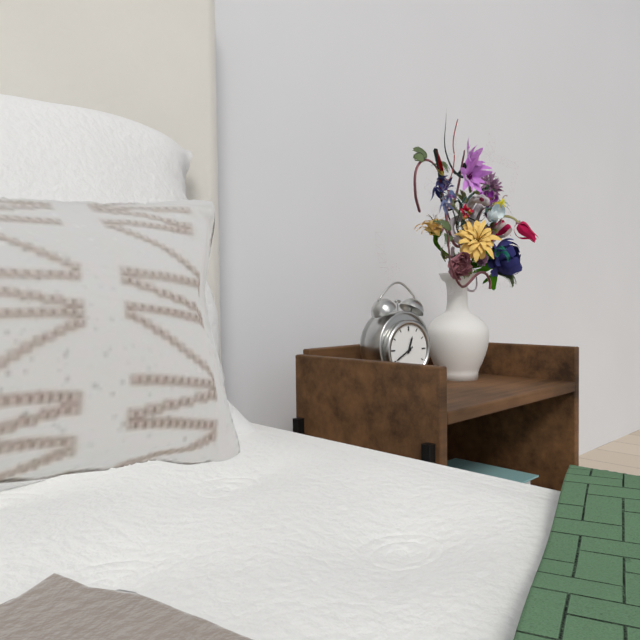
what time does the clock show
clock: 12:40
